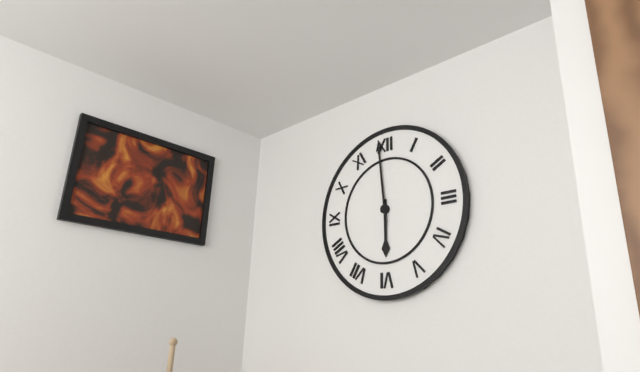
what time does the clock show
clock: 5:59
